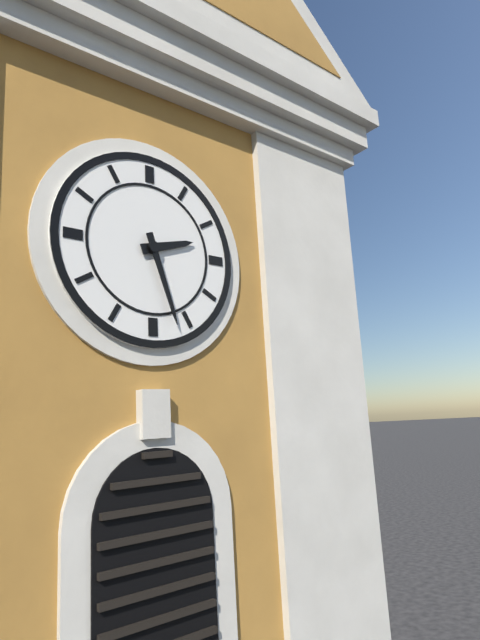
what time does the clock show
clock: 2:27
